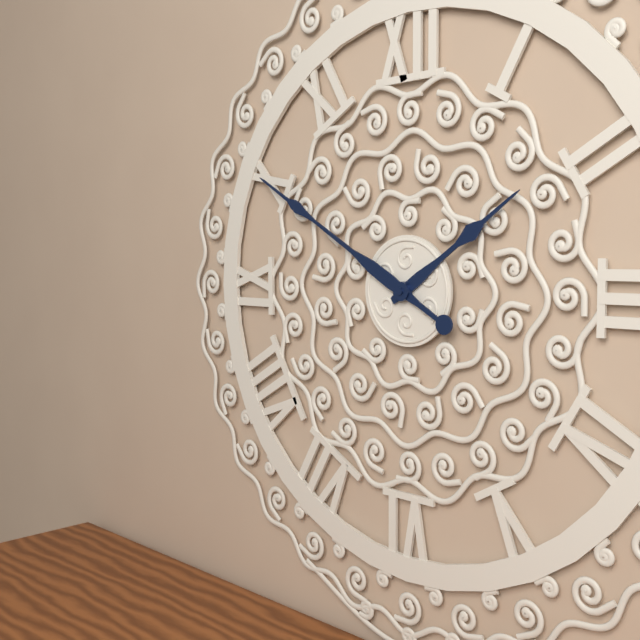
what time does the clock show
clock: 1:50
